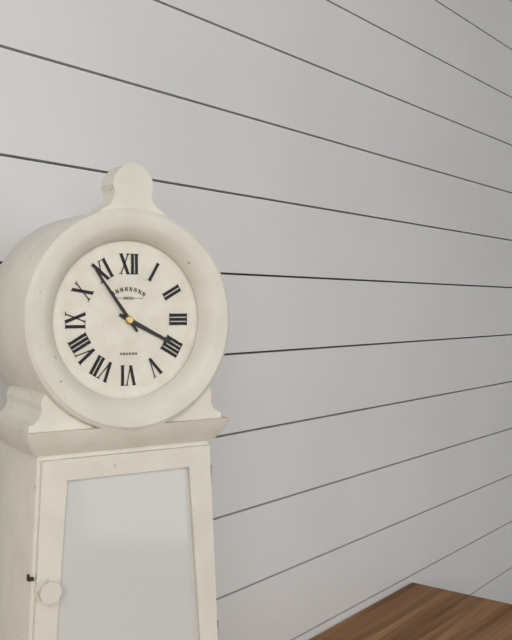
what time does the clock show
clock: 3:54
